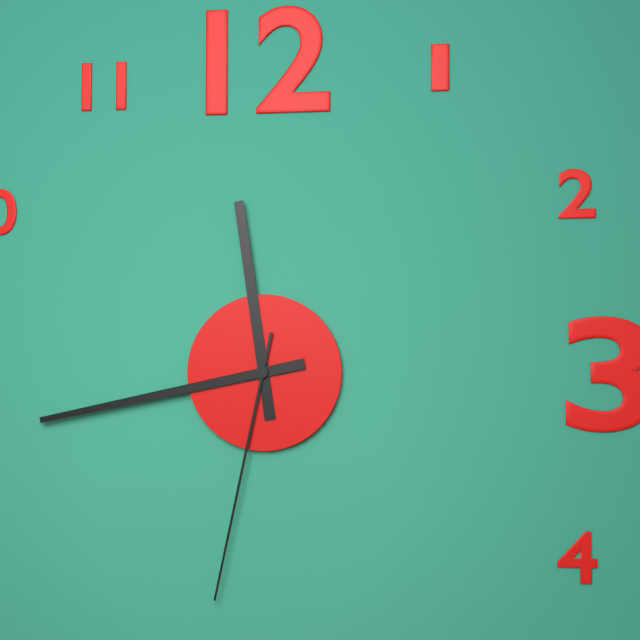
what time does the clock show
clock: 11:43:32
